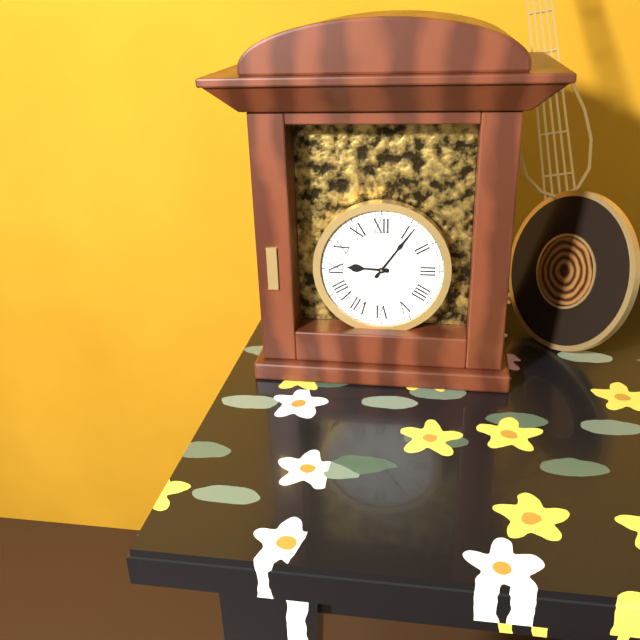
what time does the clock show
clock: 9:06
